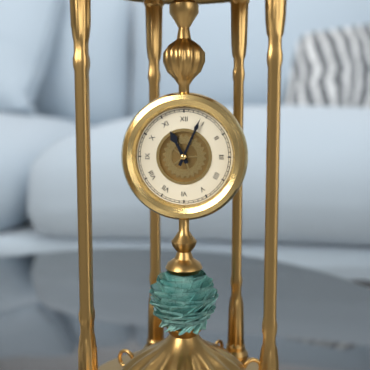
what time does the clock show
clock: 11:04
